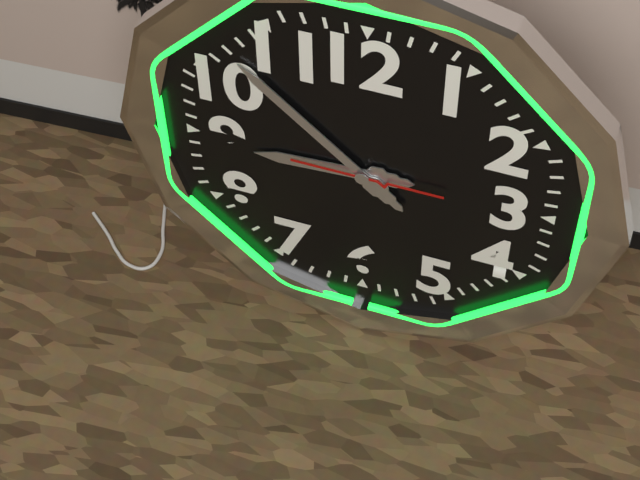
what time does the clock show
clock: 8:52:15
